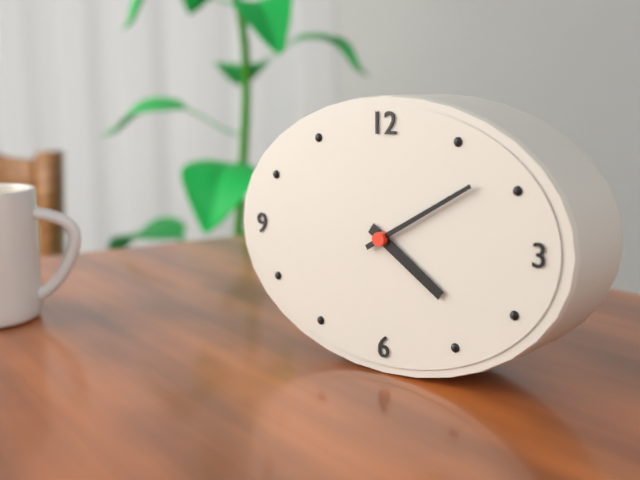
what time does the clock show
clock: 4:10
